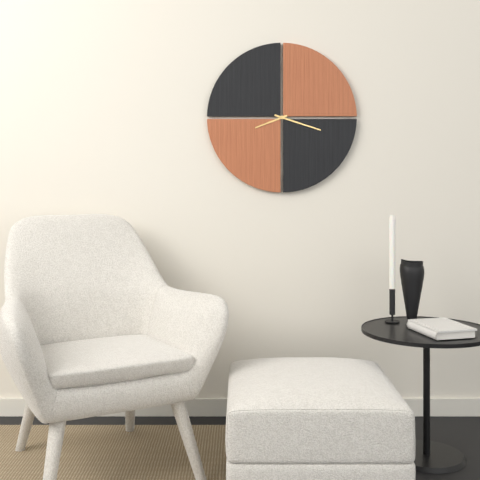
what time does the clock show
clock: 8:18
